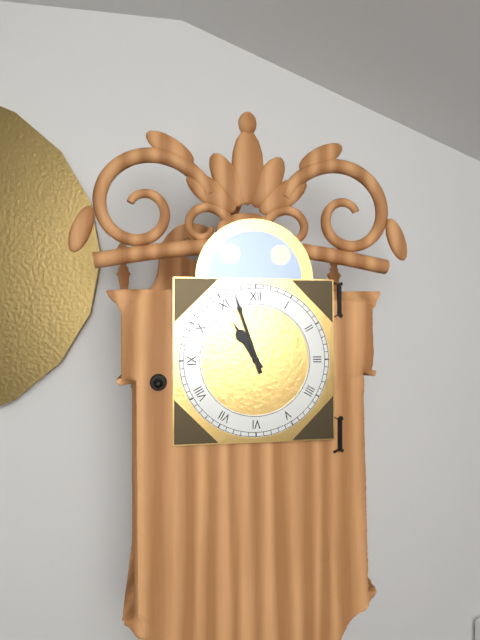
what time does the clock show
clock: 10:57
